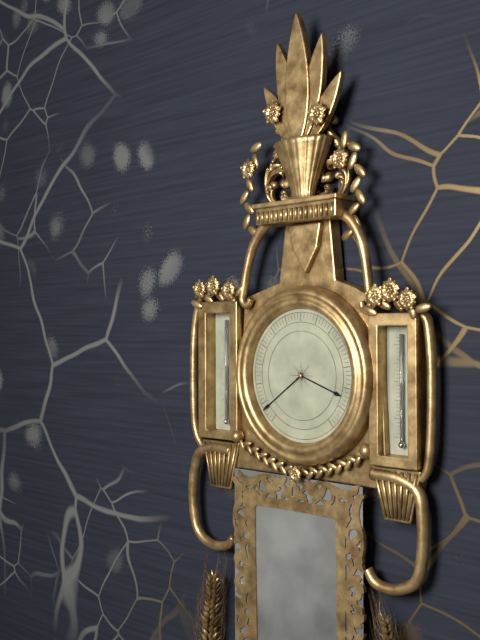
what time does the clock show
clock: 3:39
